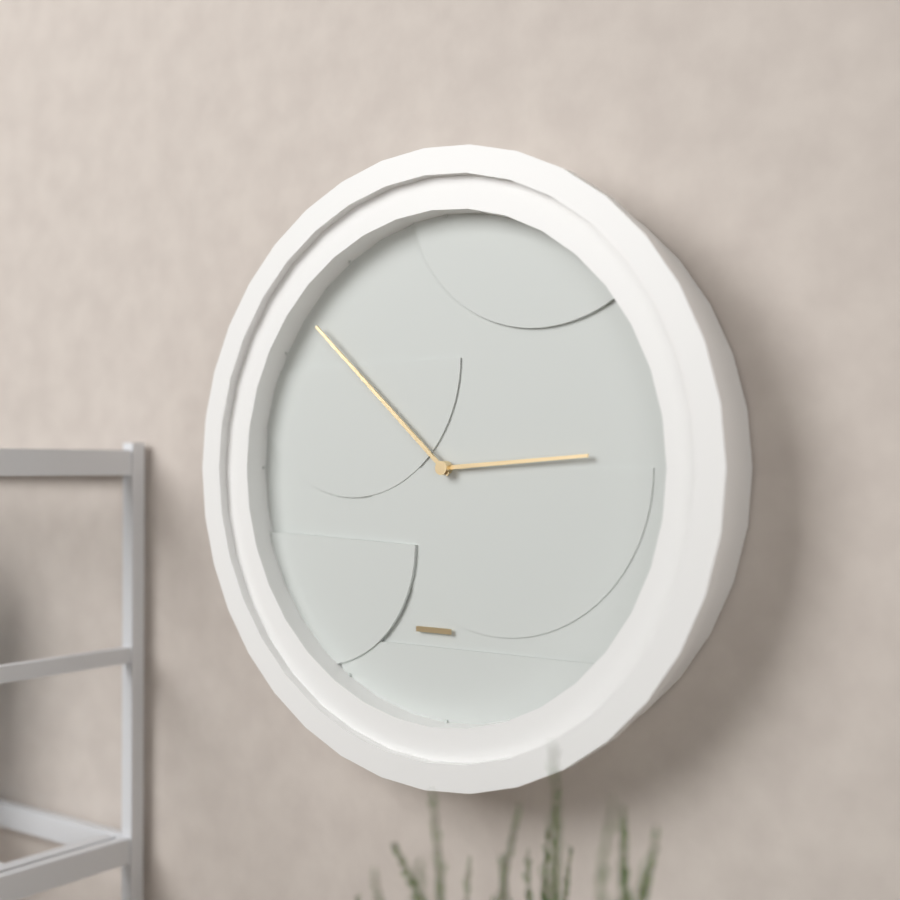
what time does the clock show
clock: 2:52
